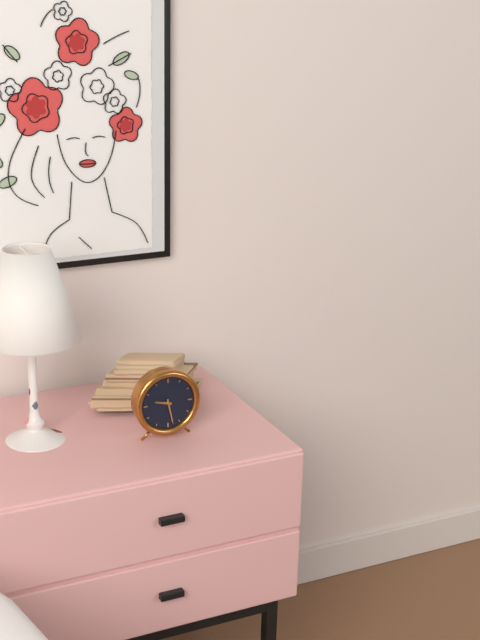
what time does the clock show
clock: 9:28
